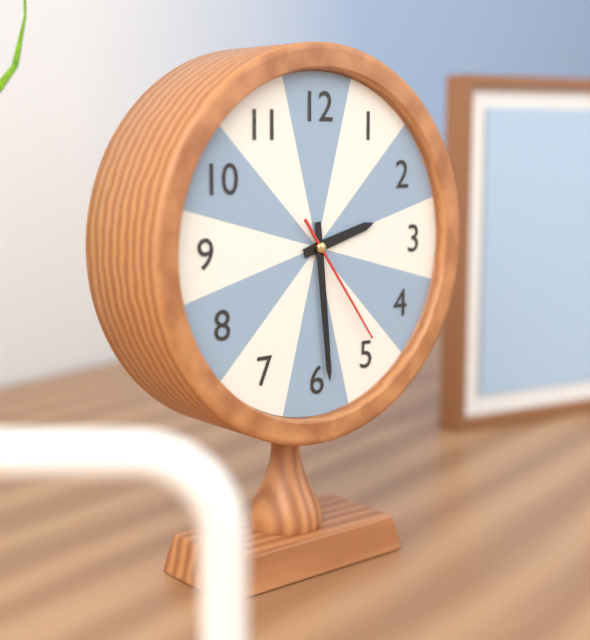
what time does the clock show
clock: 2:29:24
